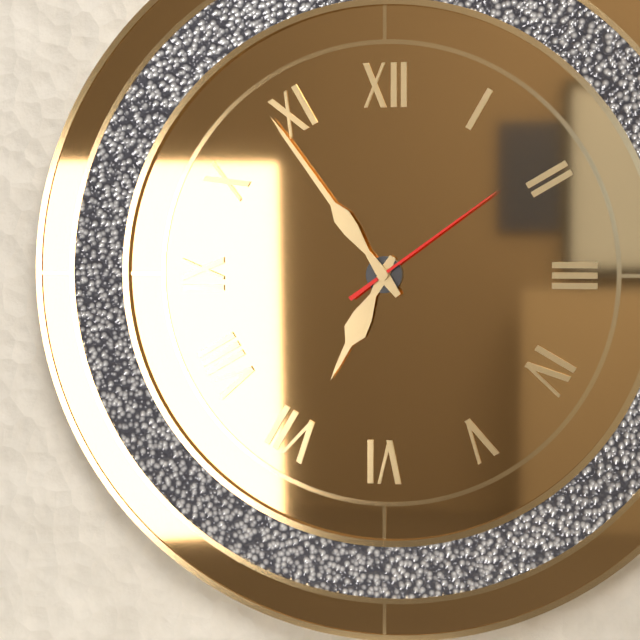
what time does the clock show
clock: 6:54:09
